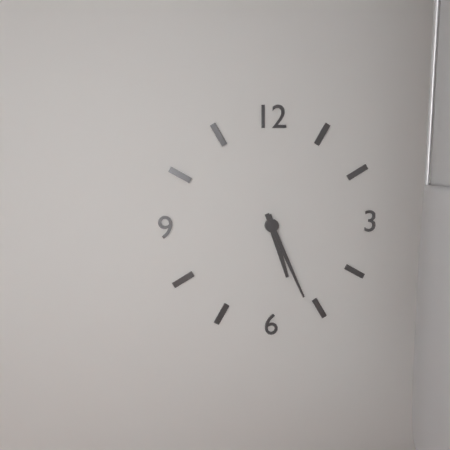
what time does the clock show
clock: 5:26
